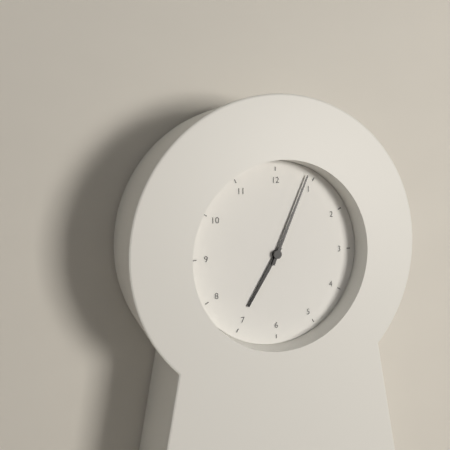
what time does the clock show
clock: 7:04
